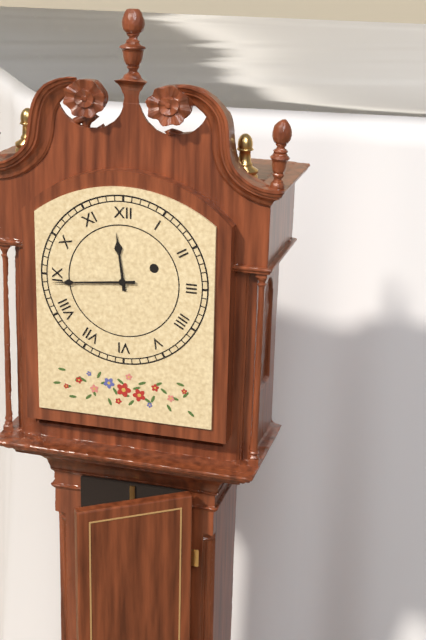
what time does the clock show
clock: 11:44
